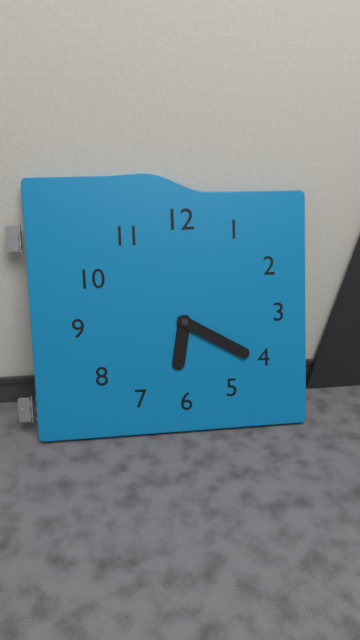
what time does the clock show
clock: 6:20
